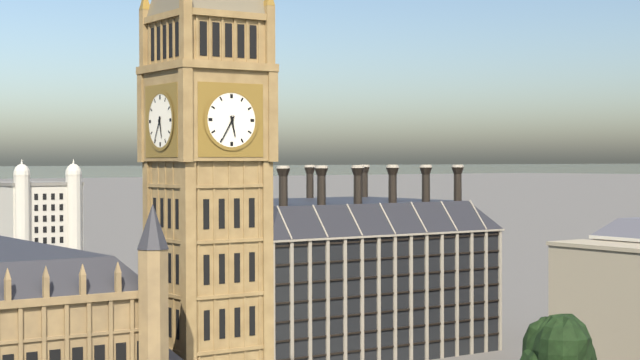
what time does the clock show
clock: 5:35
